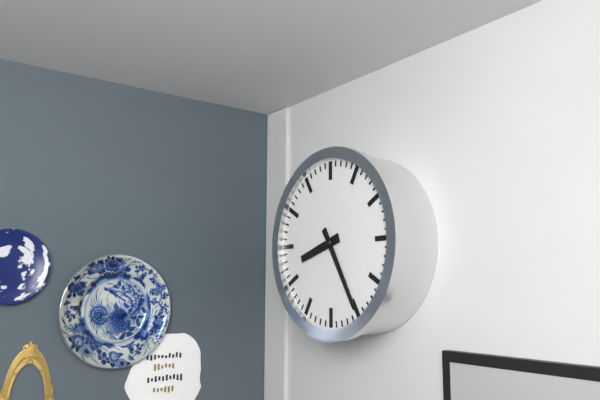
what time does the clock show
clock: 8:25
